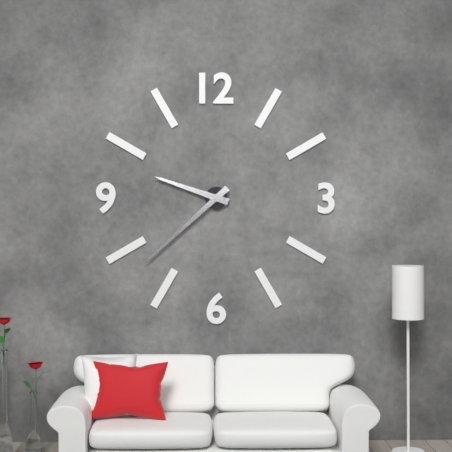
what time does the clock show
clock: 9:38
